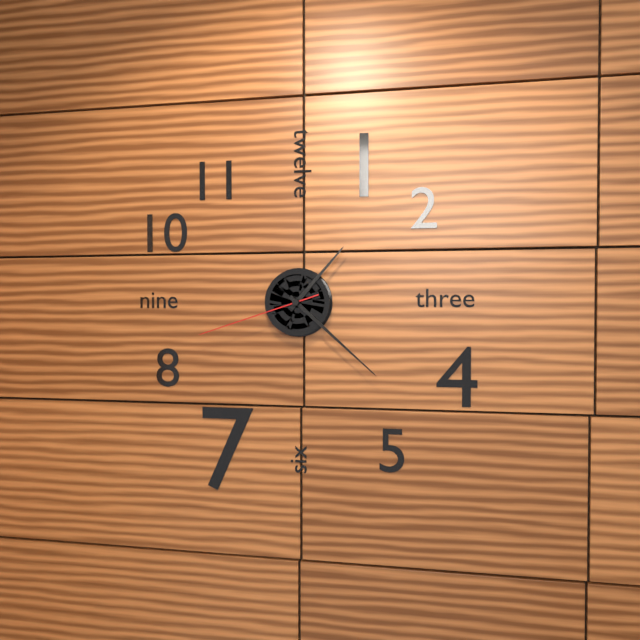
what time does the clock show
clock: 1:22:42
